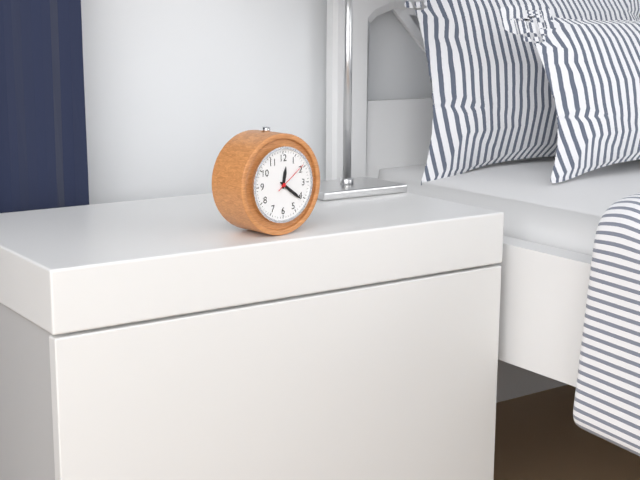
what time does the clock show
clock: 12:21
